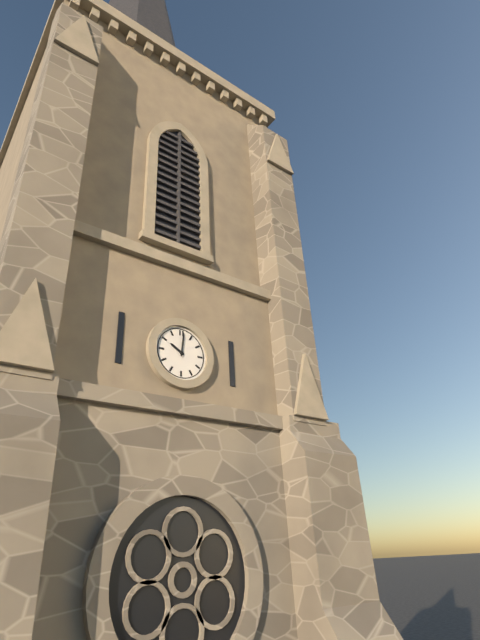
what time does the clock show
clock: 10:01
